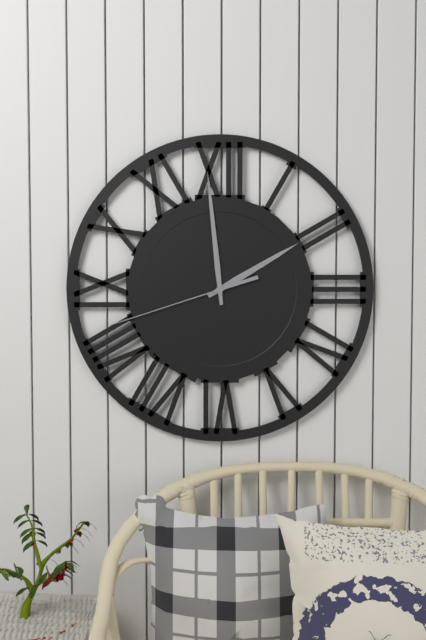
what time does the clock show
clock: 1:59:42
